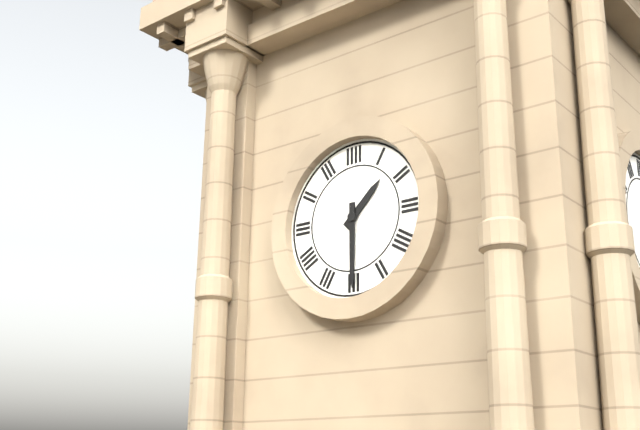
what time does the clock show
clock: 1:30
